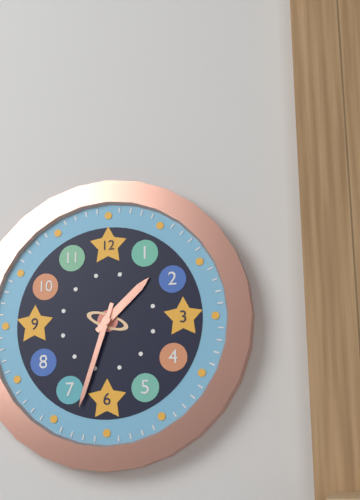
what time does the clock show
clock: 1:33
